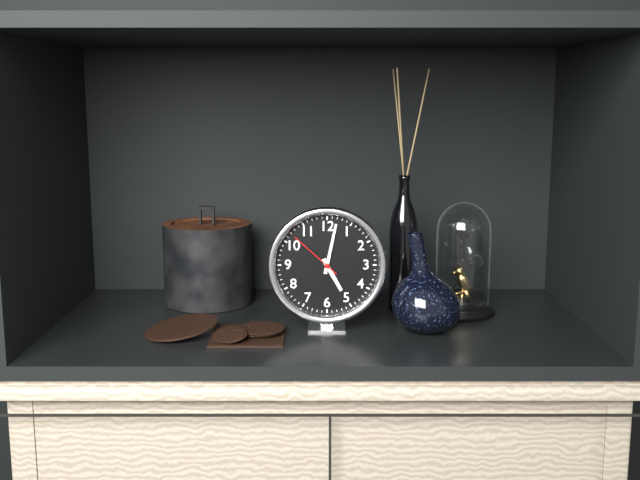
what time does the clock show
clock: 5:02:52
